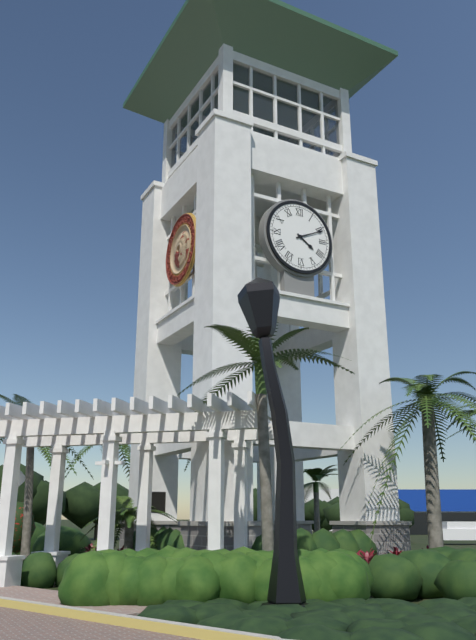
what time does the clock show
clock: 4:11
